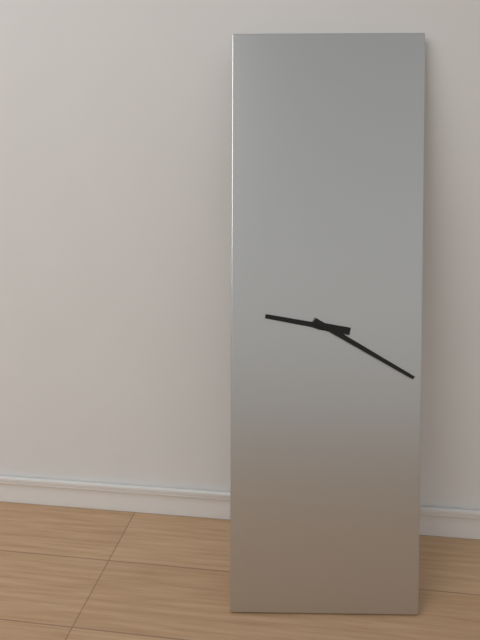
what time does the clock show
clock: 9:20
